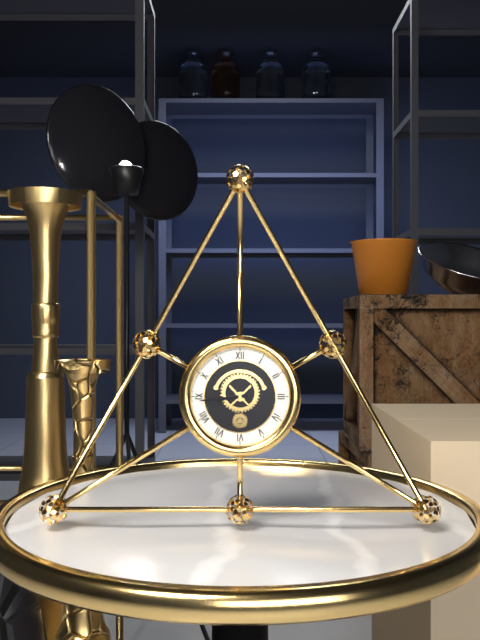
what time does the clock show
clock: 8:44
